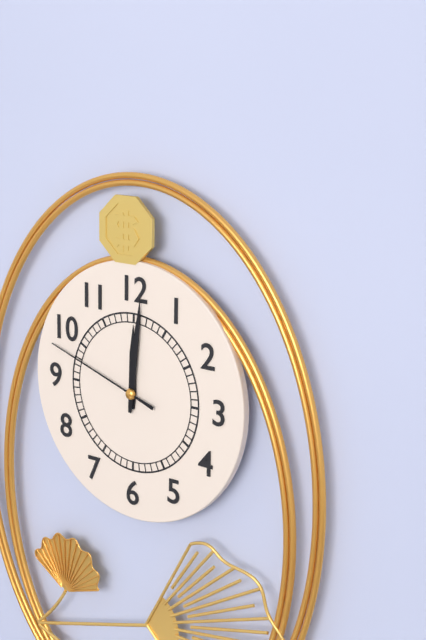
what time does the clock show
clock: 12:01:48
